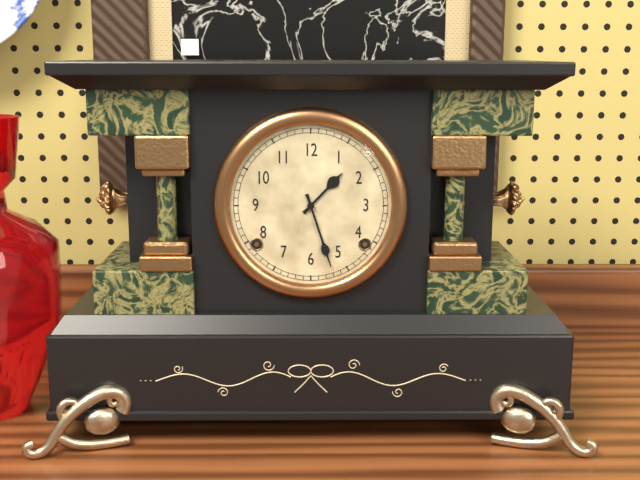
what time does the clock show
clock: 1:27
